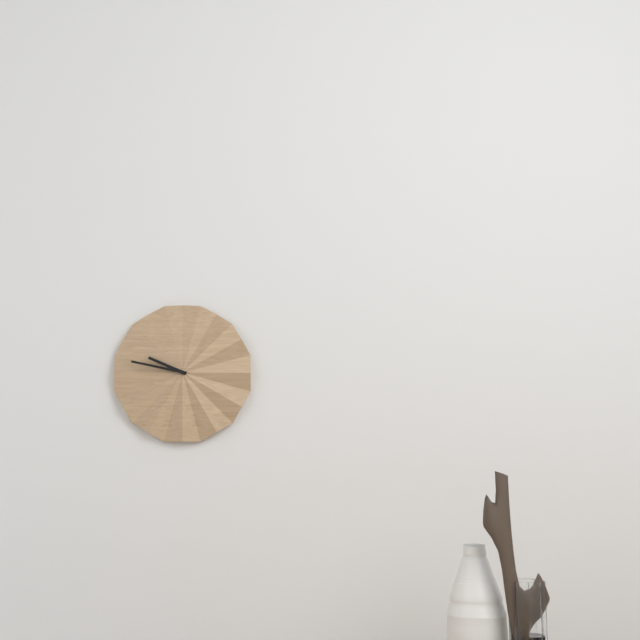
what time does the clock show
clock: 9:47
